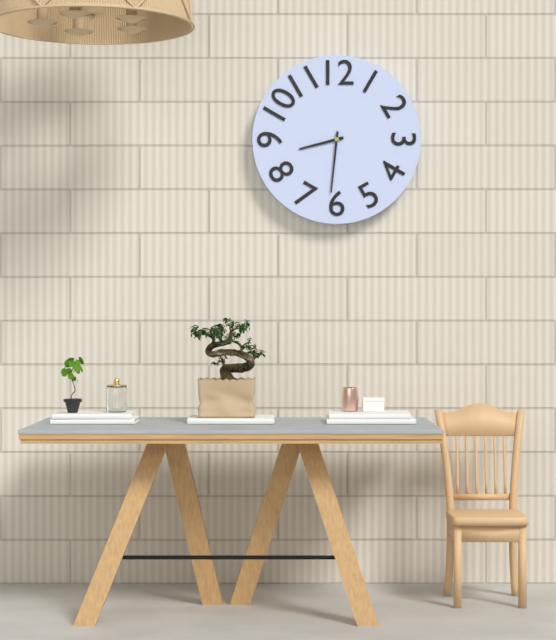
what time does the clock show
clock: 8:31
